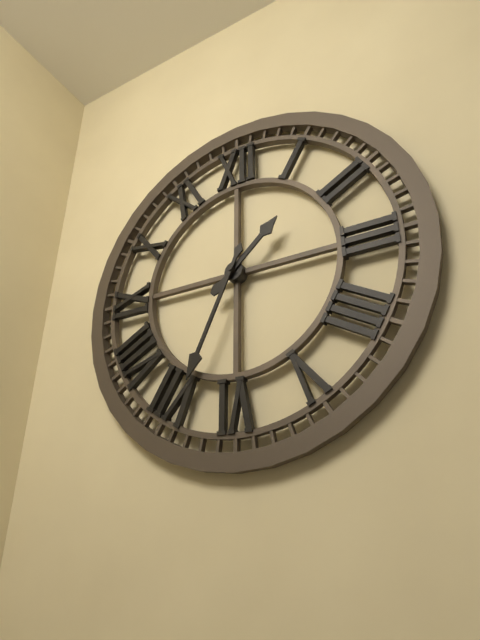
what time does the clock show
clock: 1:34
